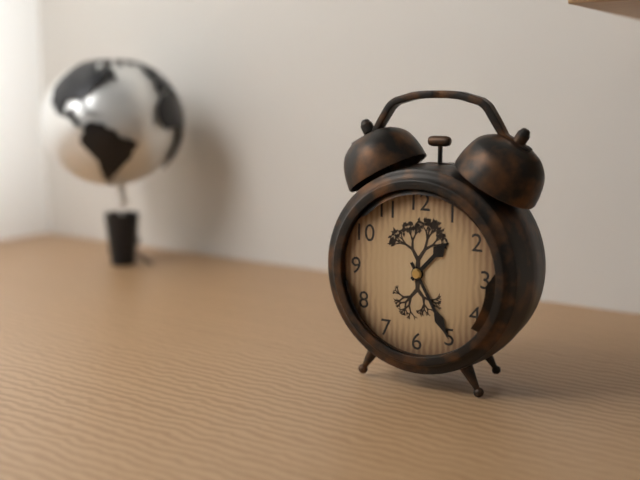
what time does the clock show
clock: 1:25
